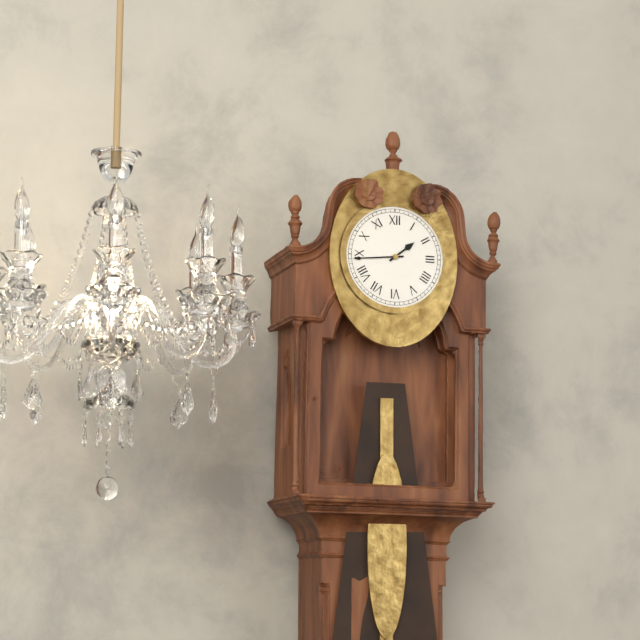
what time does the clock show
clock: 1:44
